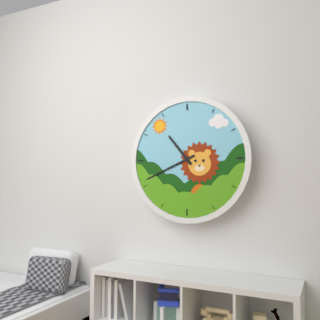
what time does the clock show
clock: 10:41
